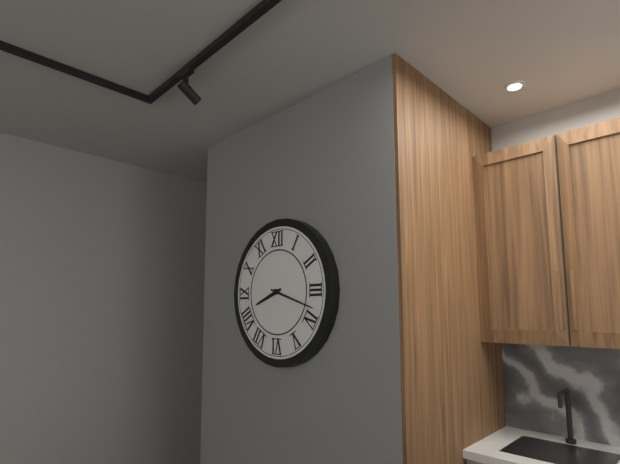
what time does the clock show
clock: 8:18
